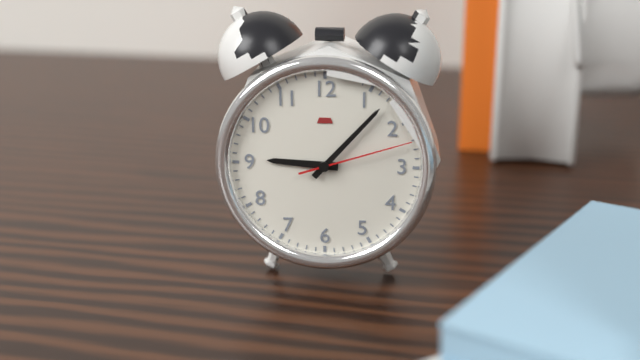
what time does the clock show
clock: 9:07:12
